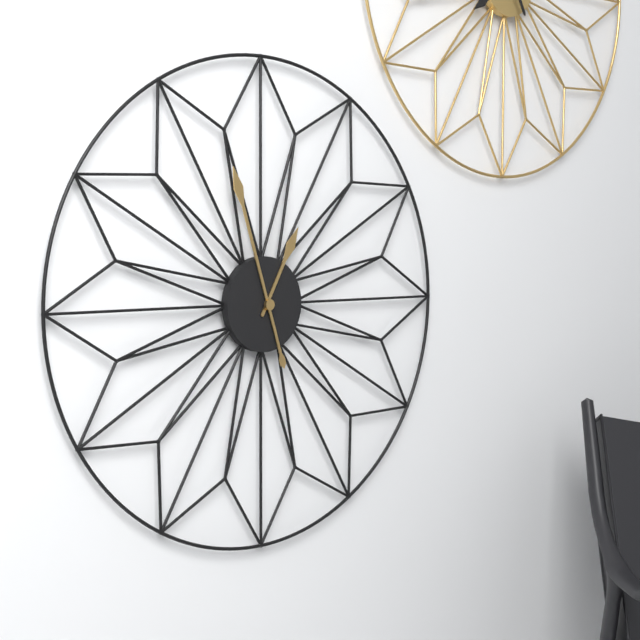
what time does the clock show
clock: 12:57
